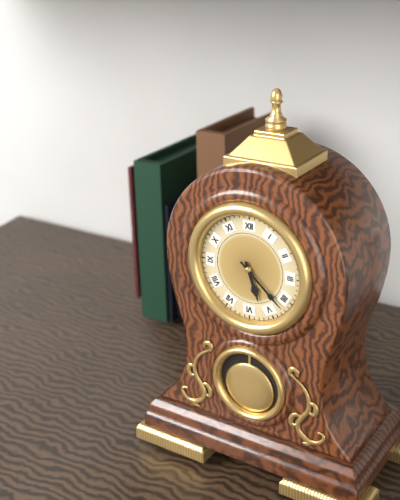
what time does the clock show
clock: 5:22
